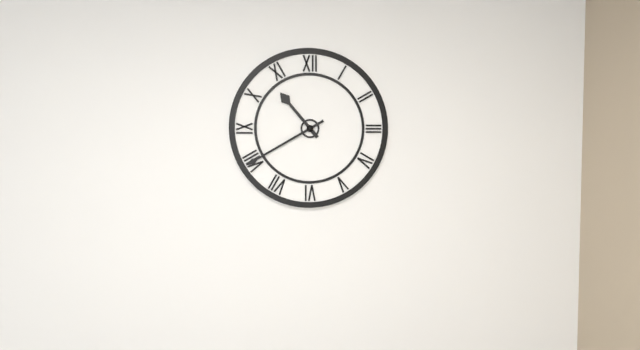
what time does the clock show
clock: 10:40
